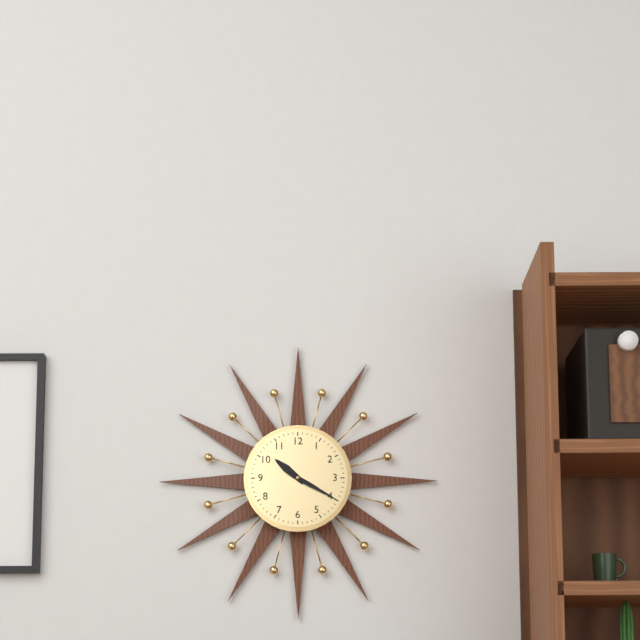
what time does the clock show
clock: 10:20
